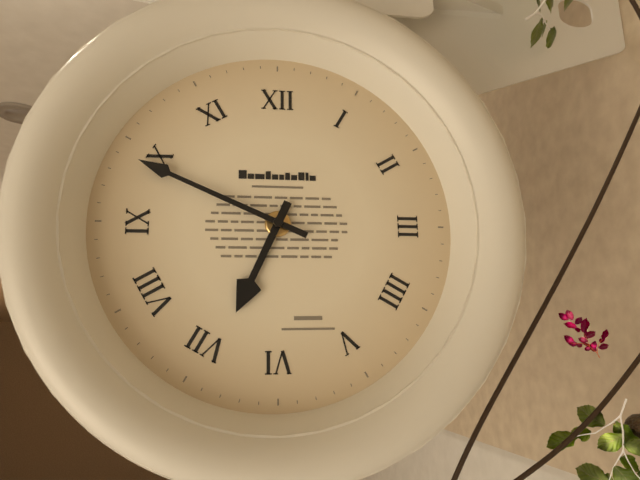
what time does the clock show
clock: 6:49
